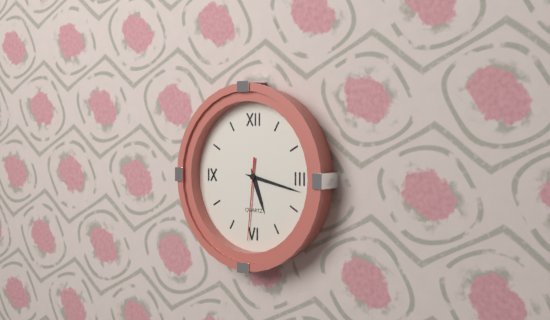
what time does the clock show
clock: 5:17:31
